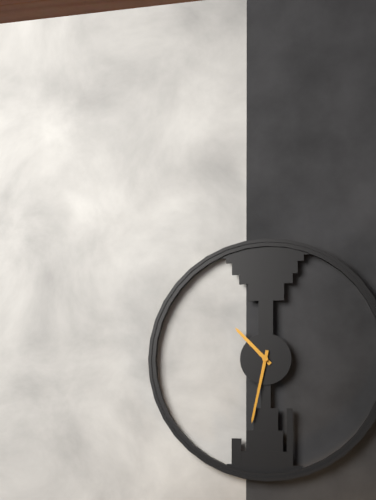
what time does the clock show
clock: 10:32
